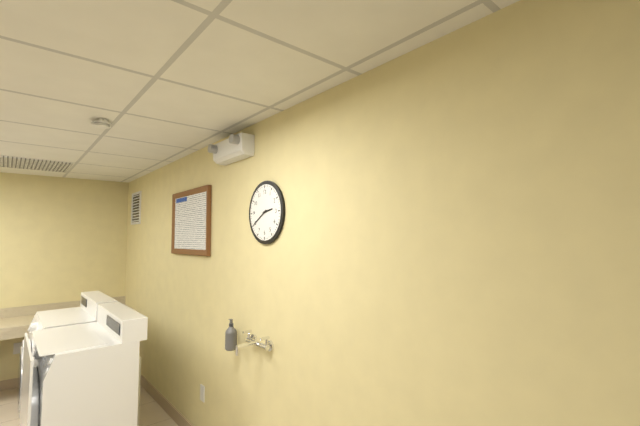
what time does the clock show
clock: 2:40
